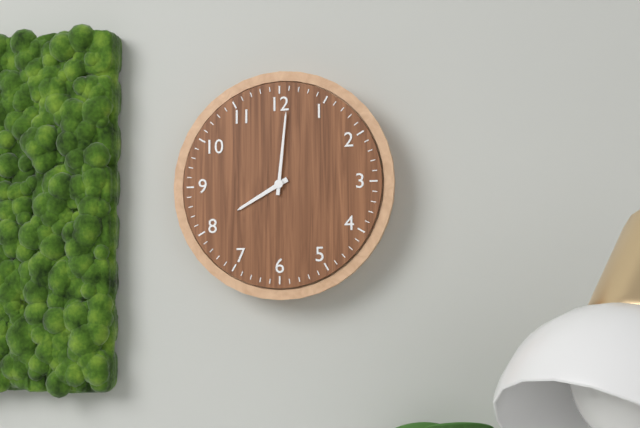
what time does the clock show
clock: 8:01
